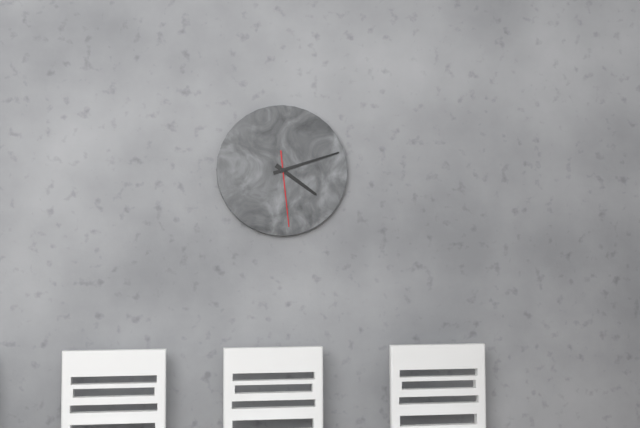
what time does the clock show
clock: 4:12:29
